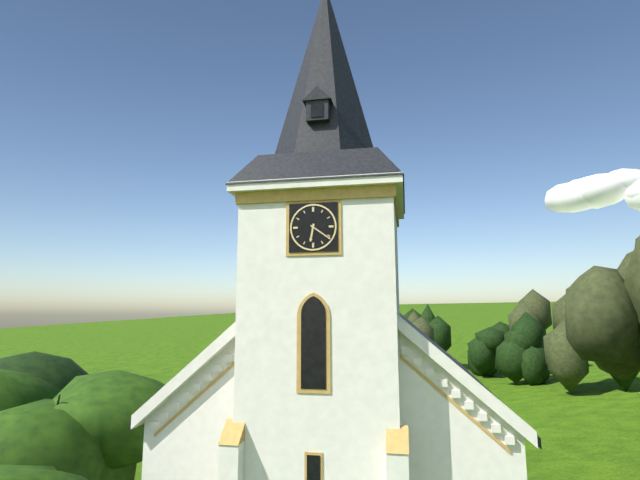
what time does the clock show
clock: 6:21
